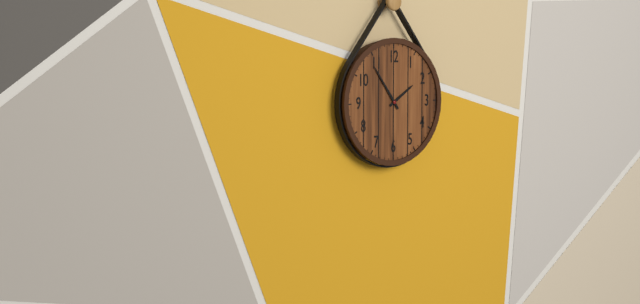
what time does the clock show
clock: 1:54
